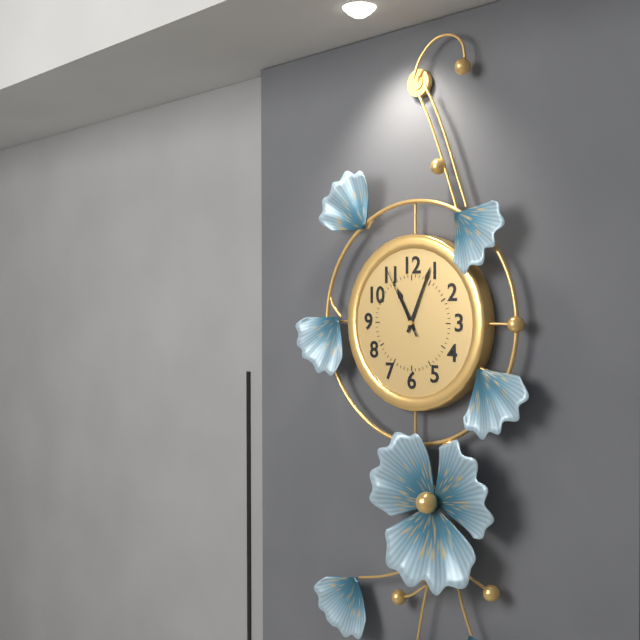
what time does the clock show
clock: 11:04:55
